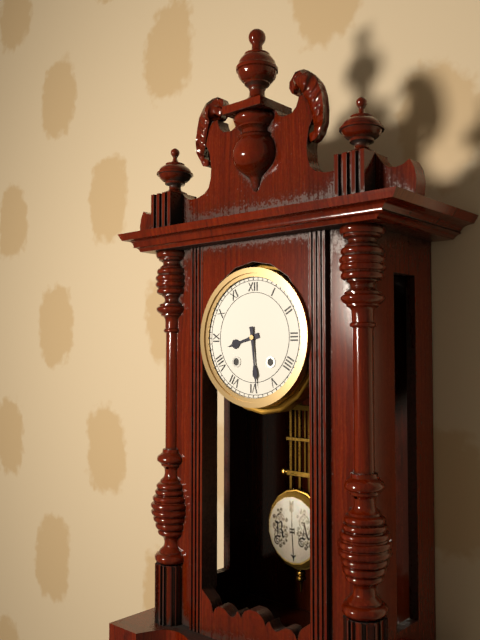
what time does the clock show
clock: 8:29
